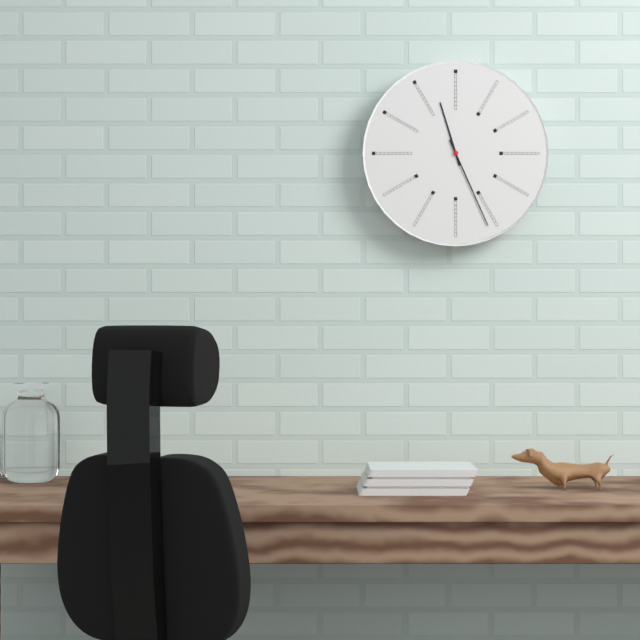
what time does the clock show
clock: 11:26
